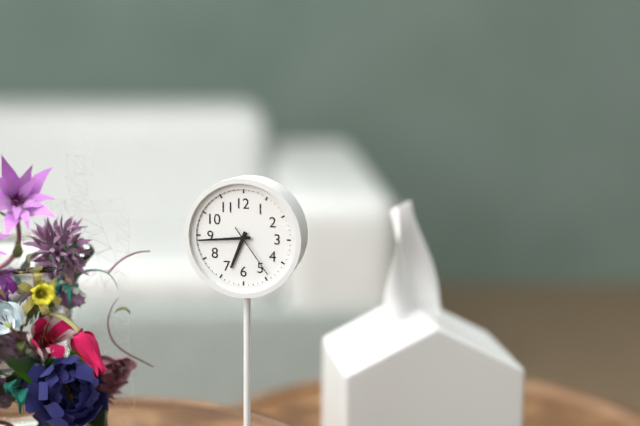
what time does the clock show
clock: 6:44:24
